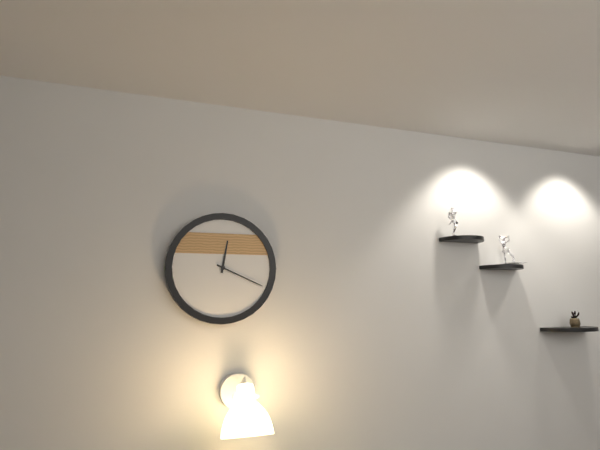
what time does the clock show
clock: 12:19
